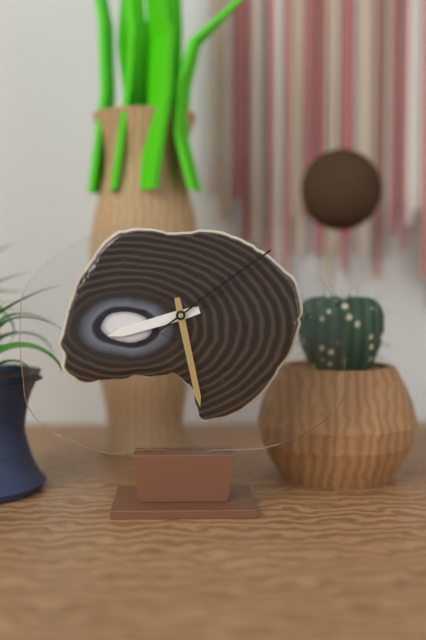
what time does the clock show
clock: 8:28:09
